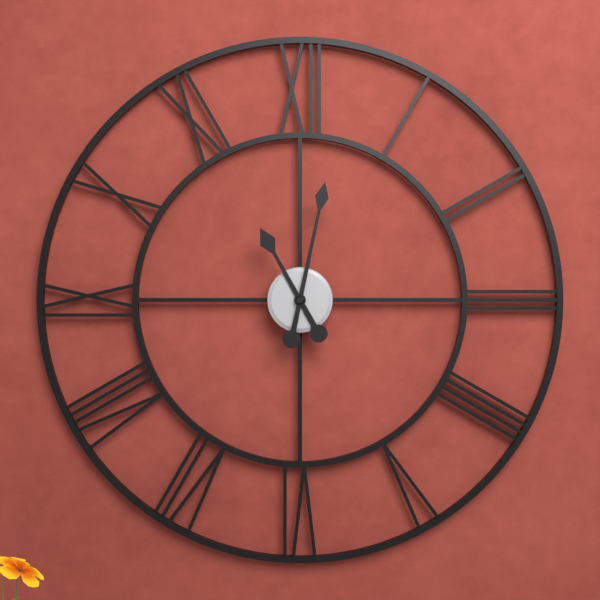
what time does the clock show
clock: 11:02
